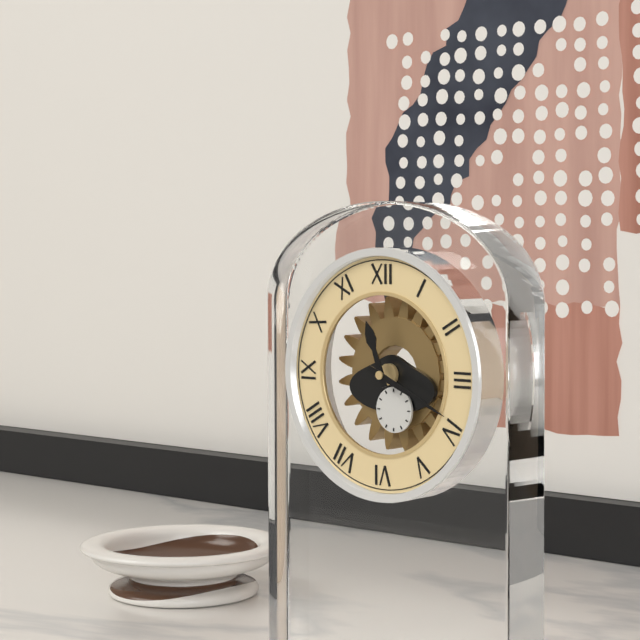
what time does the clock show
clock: 11:19
